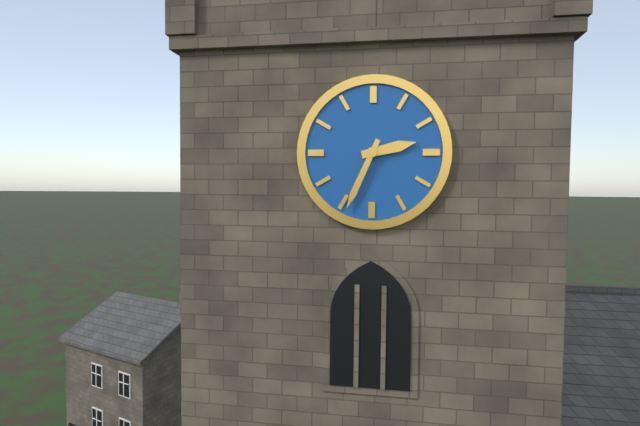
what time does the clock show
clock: 2:34
